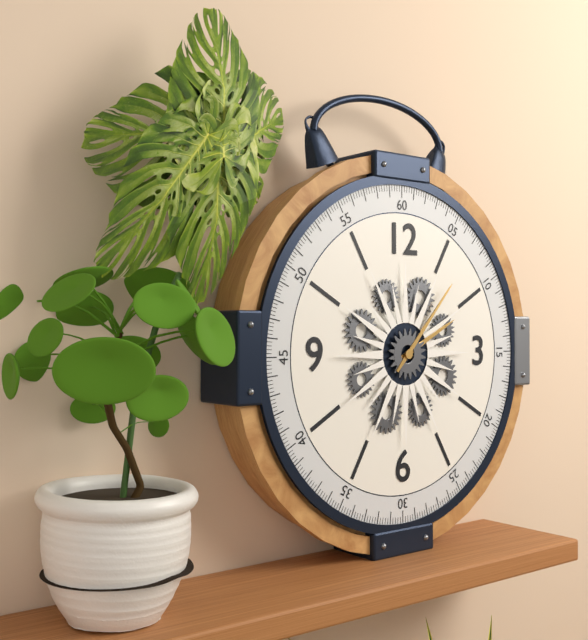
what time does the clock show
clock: 2:07
